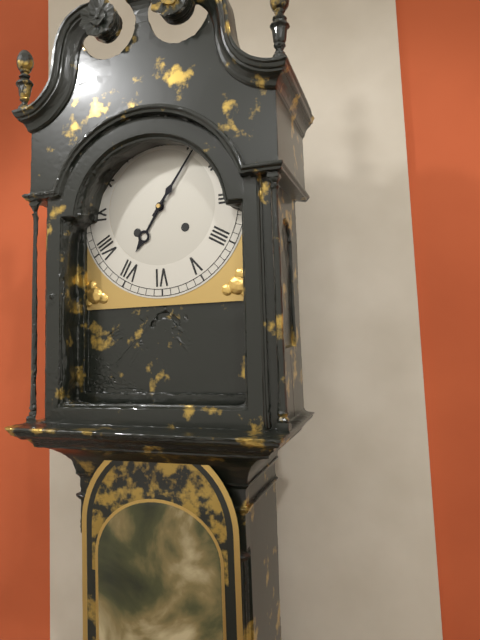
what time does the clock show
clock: 7:06
